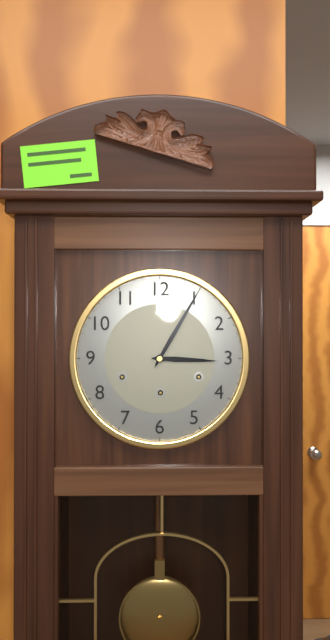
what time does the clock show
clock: 3:05
